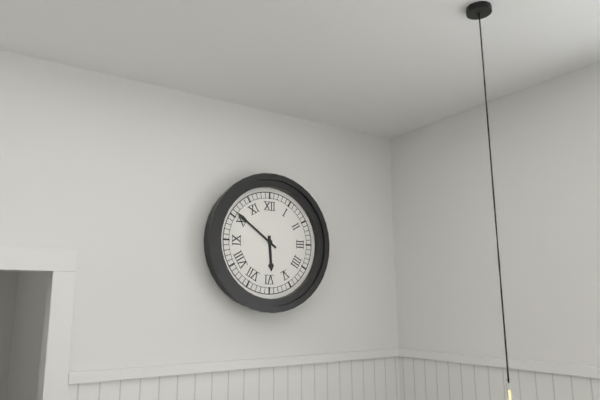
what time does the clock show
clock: 5:51
